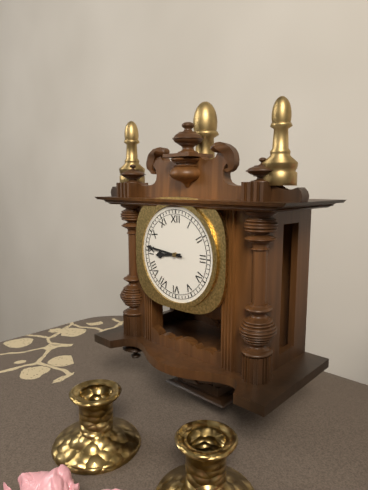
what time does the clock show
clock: 8:46
